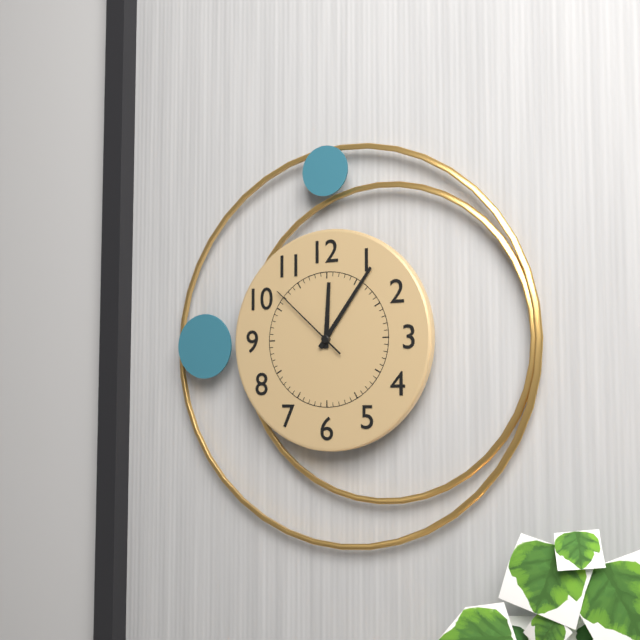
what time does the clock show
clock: 12:06:52
